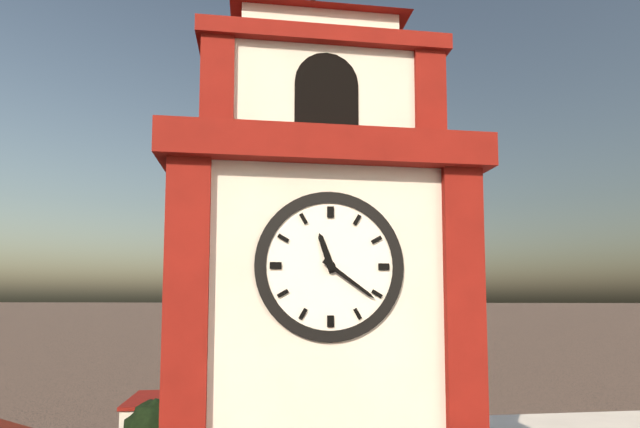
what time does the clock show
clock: 11:21
